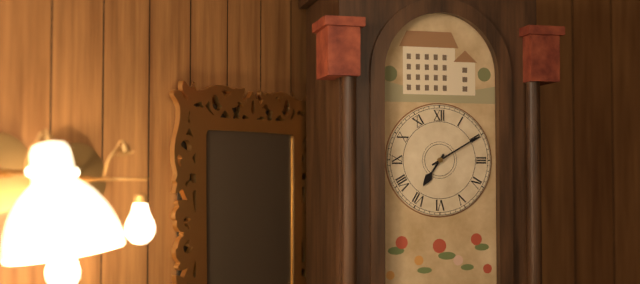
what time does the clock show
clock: 7:10
